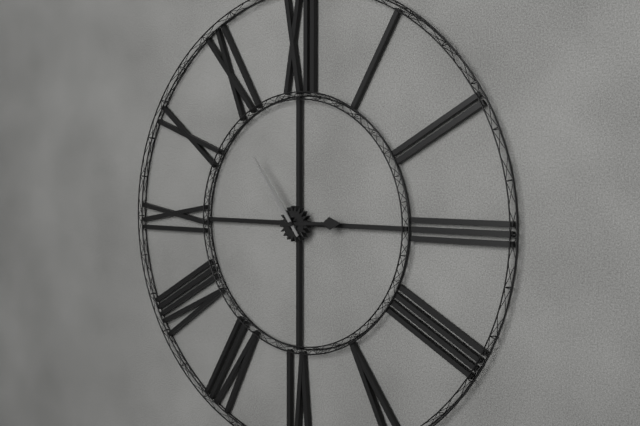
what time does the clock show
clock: 2:54
